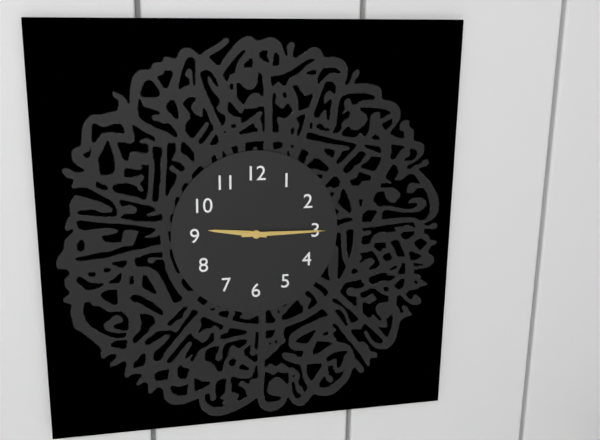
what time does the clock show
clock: 9:15
